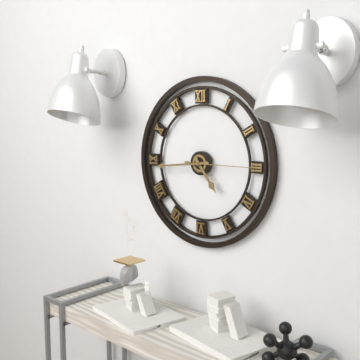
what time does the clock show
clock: 4:44:15
